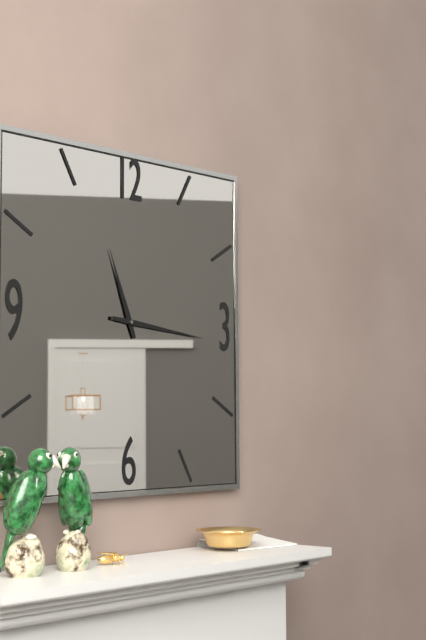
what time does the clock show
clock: 11:16
